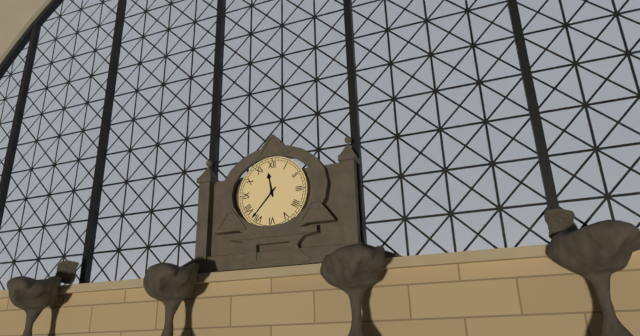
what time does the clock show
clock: 11:37
